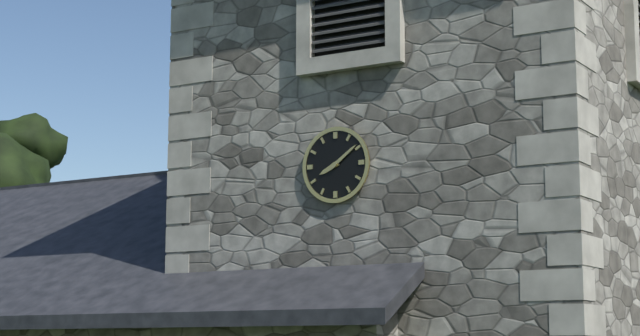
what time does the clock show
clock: 8:09
